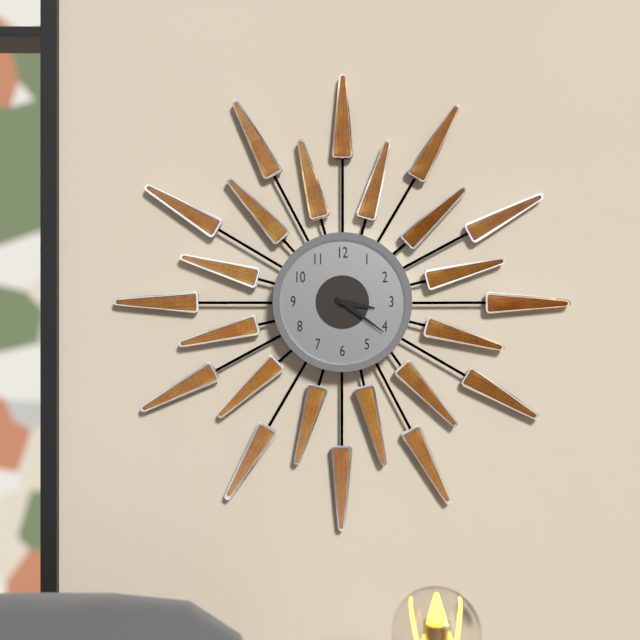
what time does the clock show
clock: 3:21
